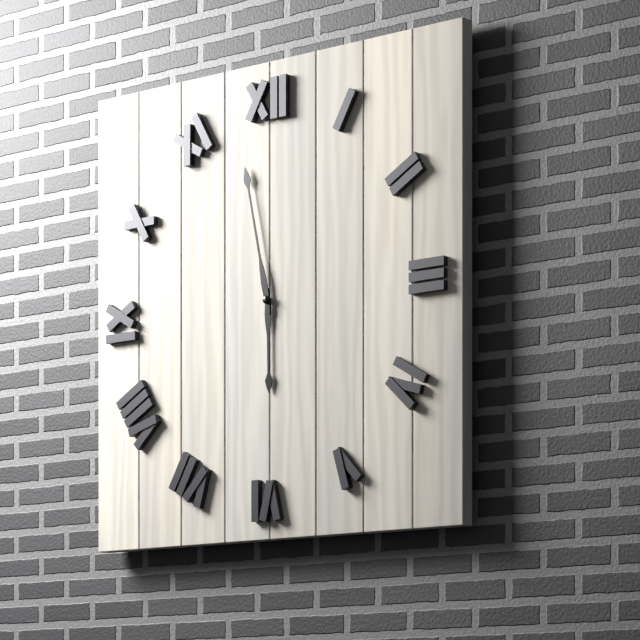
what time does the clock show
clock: 5:58
